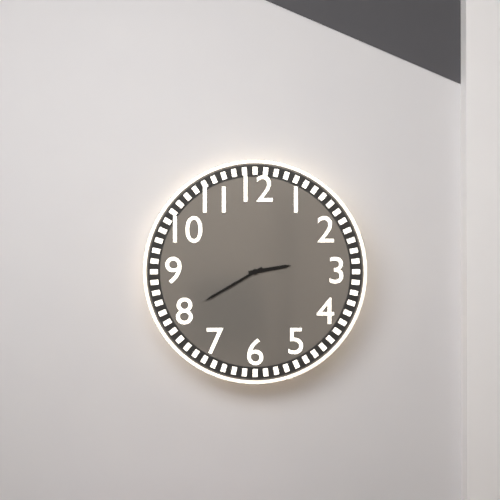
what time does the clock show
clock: 2:40
